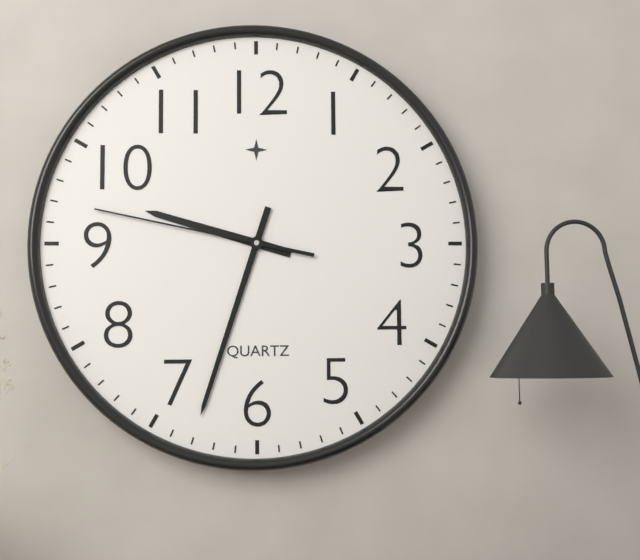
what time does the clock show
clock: 9:33:47
